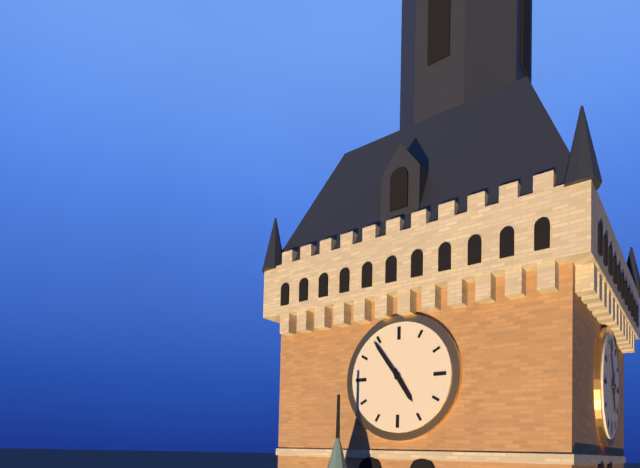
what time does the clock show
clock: 4:54
